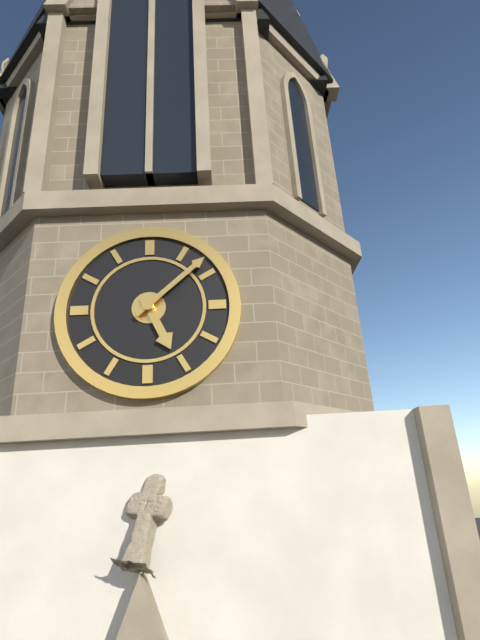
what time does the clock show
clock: 5:08
